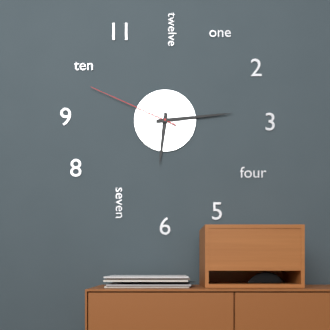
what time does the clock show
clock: 6:14:49
